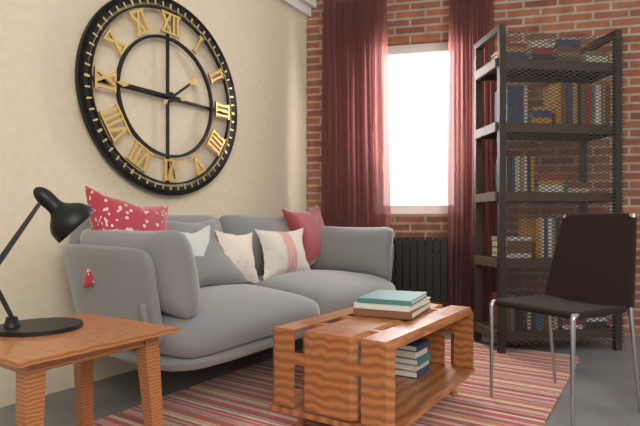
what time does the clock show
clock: 1:45
